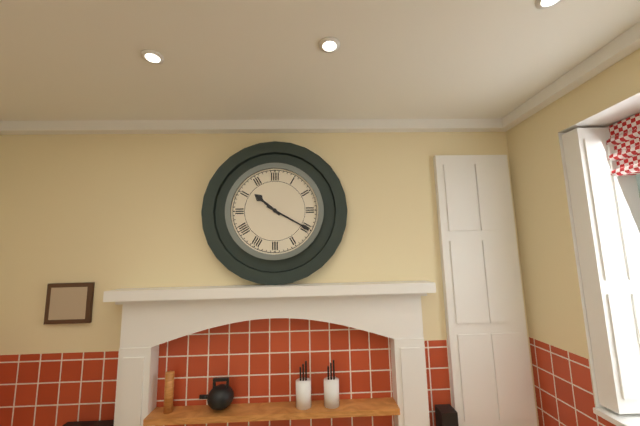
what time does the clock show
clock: 10:20
